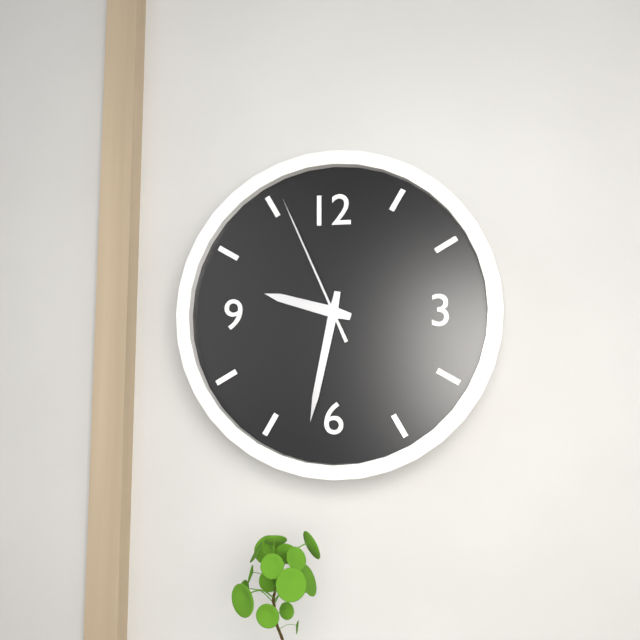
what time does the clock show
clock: 9:32:56
